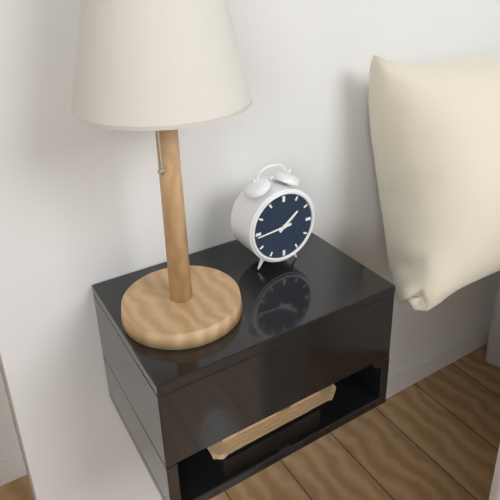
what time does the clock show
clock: 1:44
